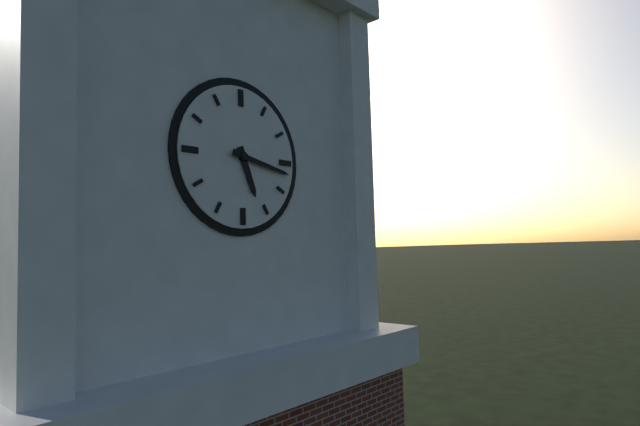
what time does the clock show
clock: 5:17
